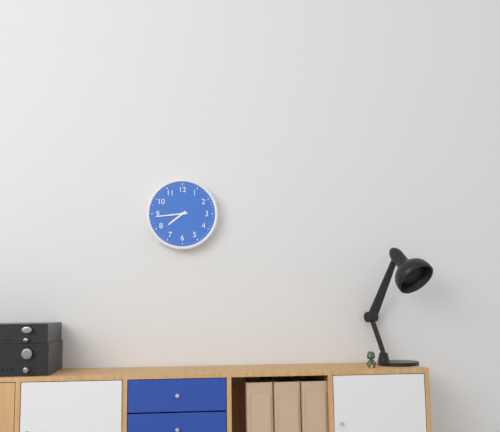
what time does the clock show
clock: 7:44
